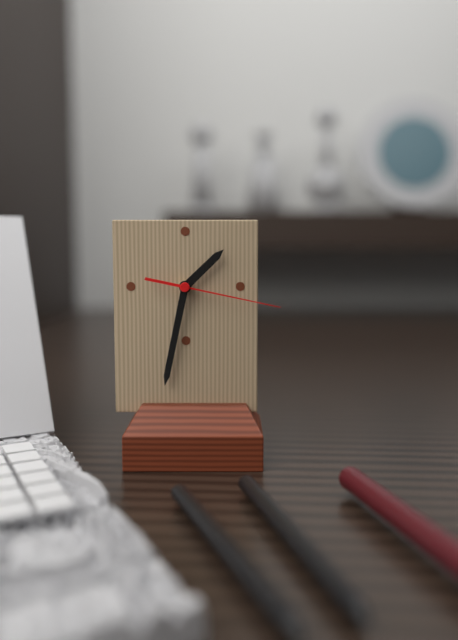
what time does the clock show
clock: 1:32:17
